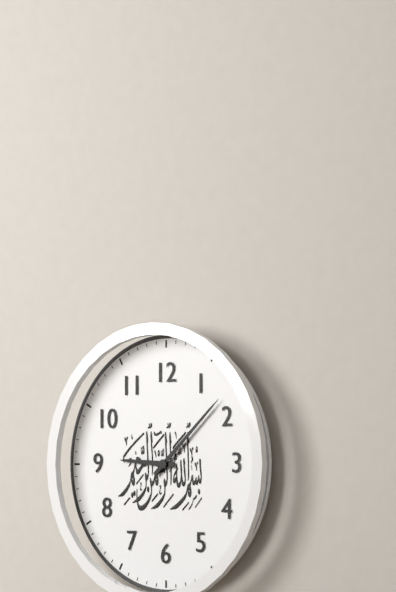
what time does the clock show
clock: 9:08
